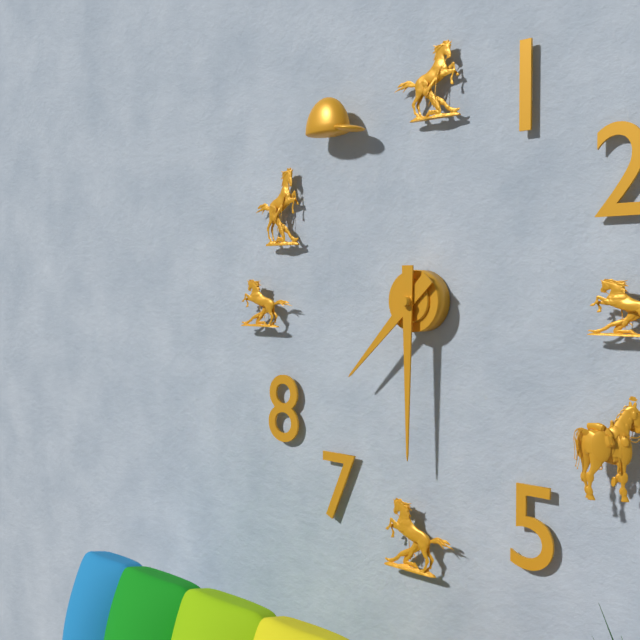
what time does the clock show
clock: 7:30
